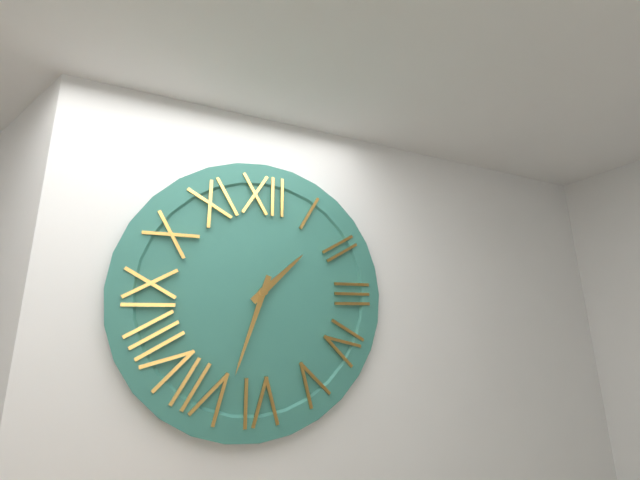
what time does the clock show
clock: 1:33
